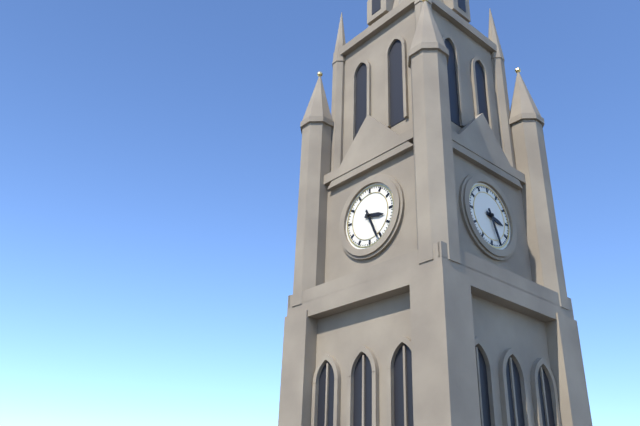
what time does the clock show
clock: 3:26
